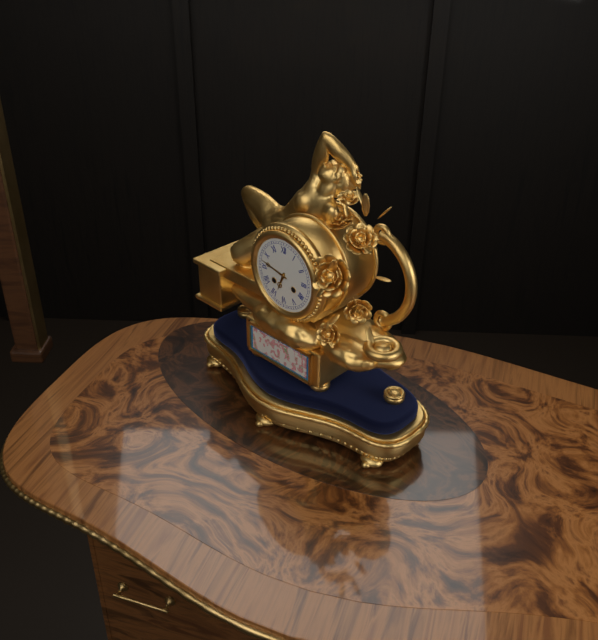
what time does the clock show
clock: 6:47
